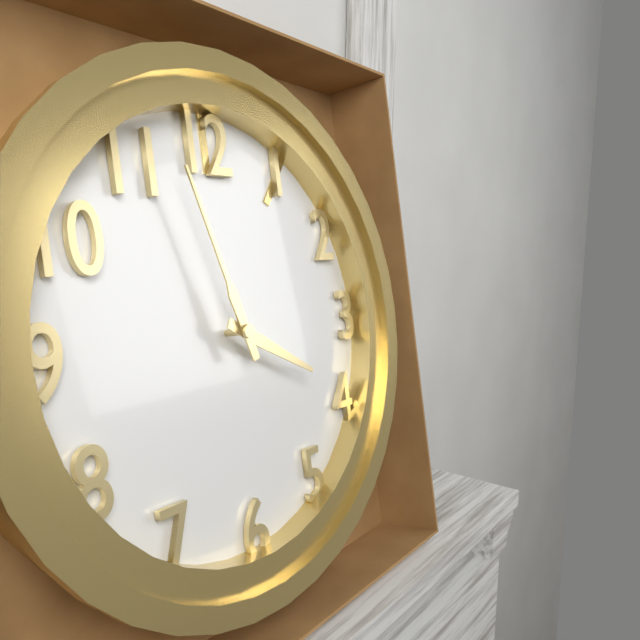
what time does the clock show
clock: 3:57
